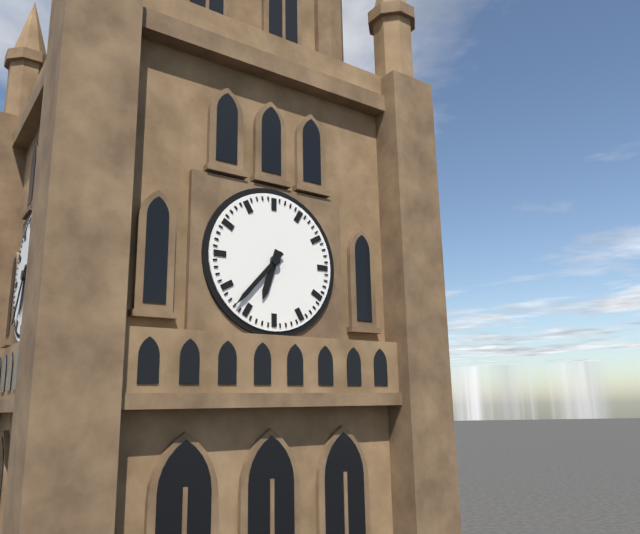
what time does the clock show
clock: 6:37
